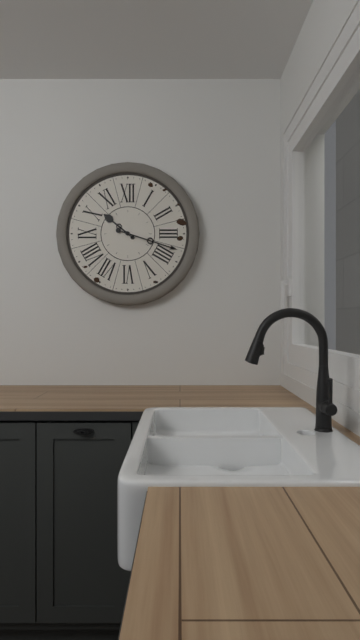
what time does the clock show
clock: 10:18
